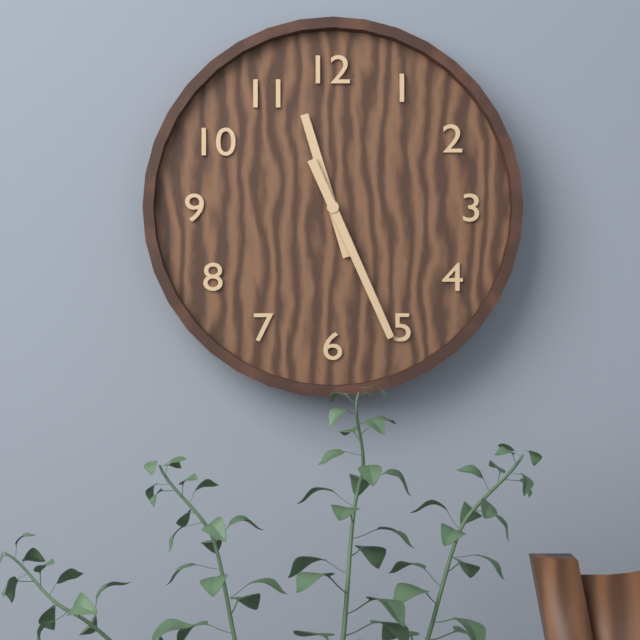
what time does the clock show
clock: 11:26
